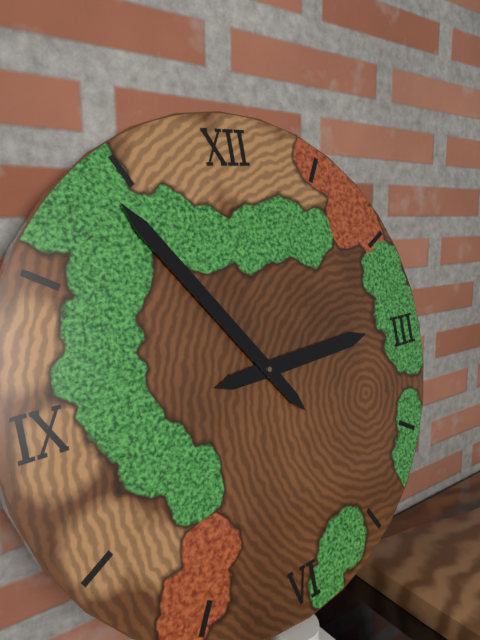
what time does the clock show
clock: 2:54
